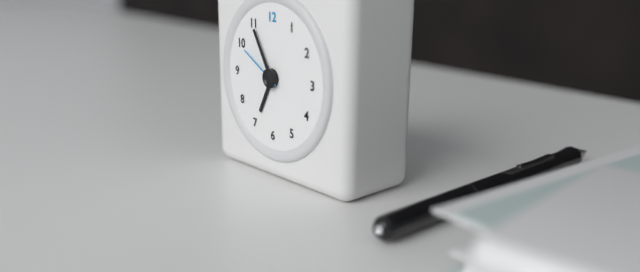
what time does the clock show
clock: 6:55:50
